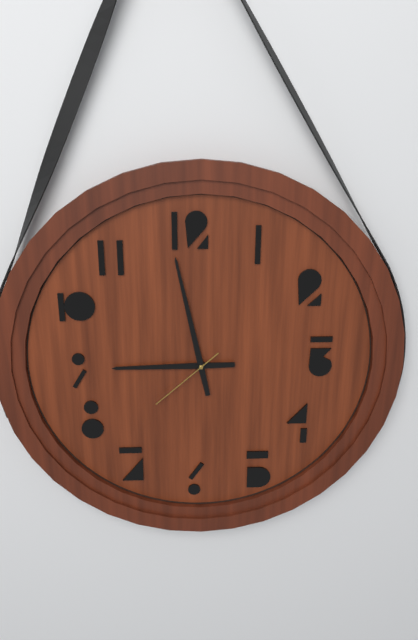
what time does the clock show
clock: 8:58:38
